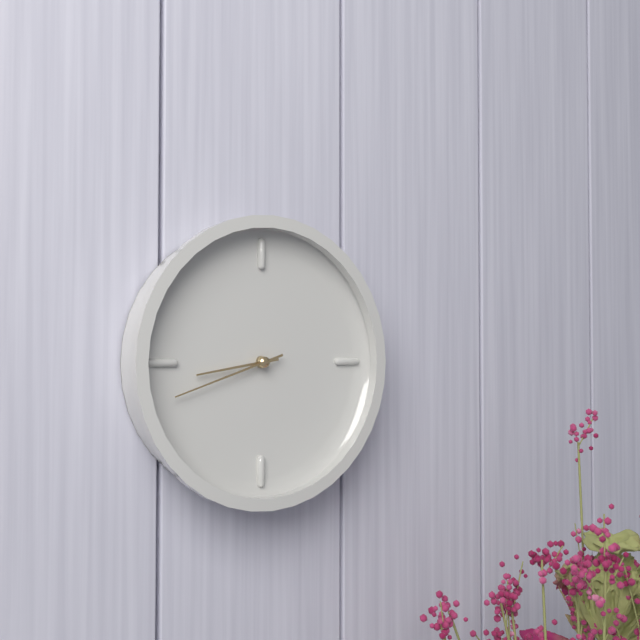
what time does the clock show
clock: 8:42
